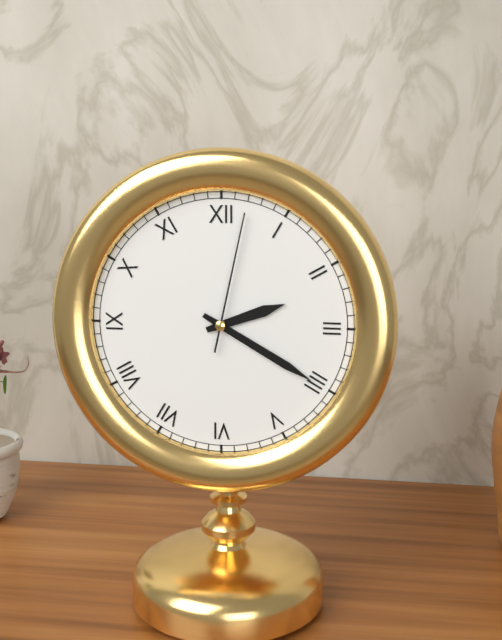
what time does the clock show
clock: 2:20:02
